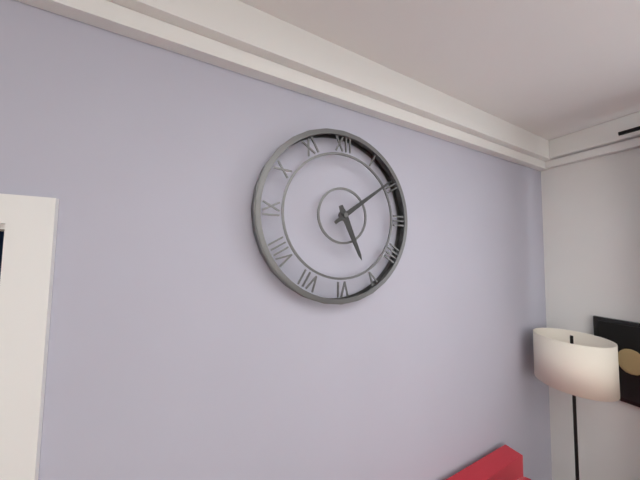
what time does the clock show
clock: 5:09
